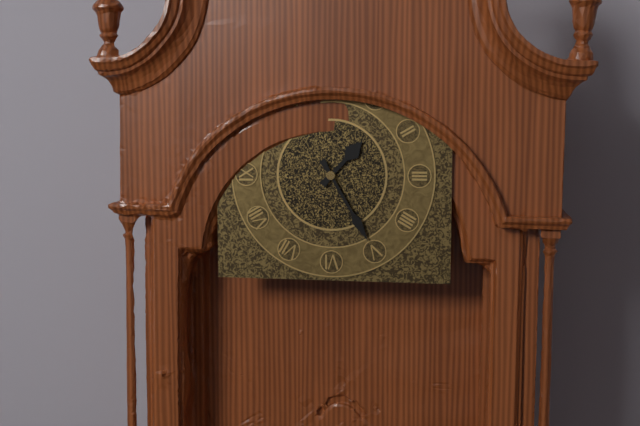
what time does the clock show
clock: 1:25
